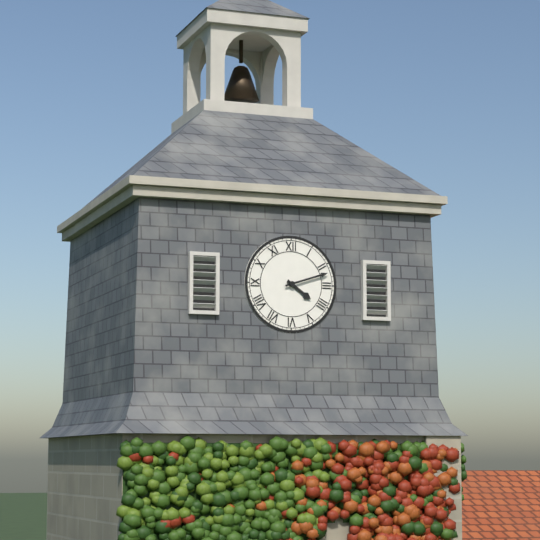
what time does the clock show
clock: 4:12
